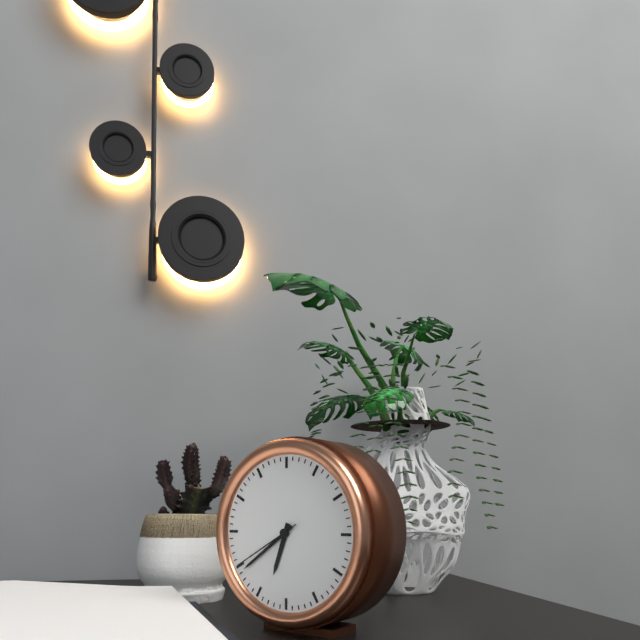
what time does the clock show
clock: 6:39:40
